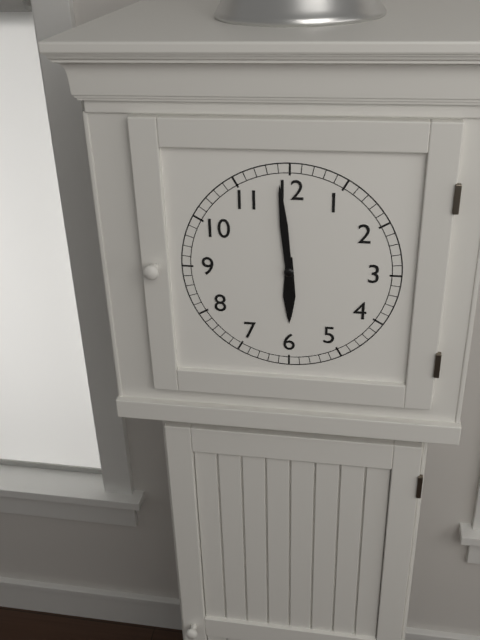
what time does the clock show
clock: 5:59
